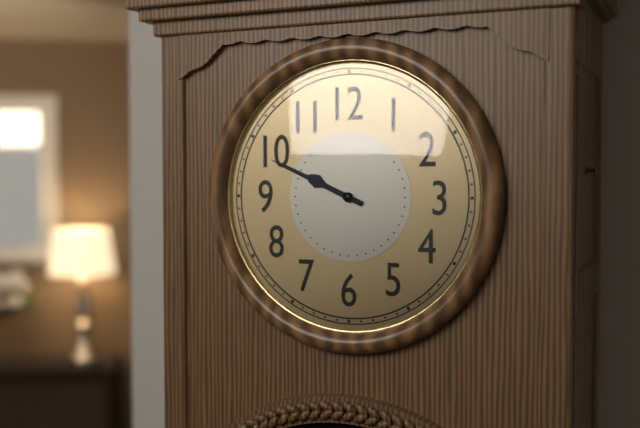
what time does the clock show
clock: 9:49
